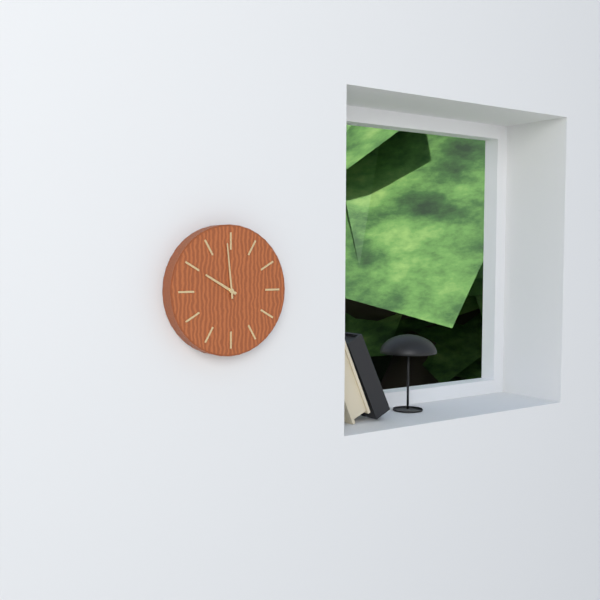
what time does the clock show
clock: 9:59
